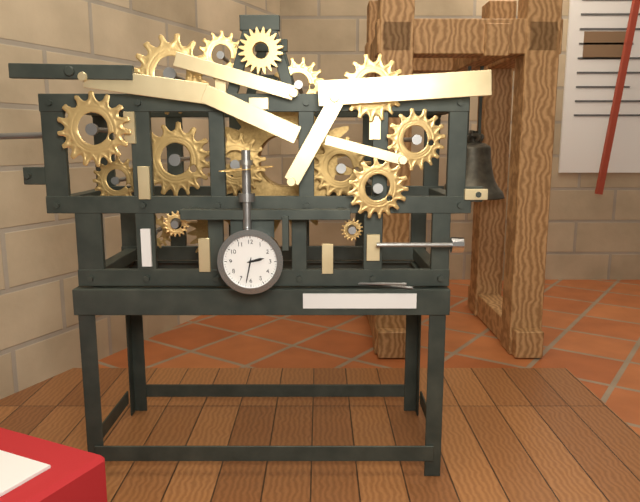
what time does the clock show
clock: 2:32
